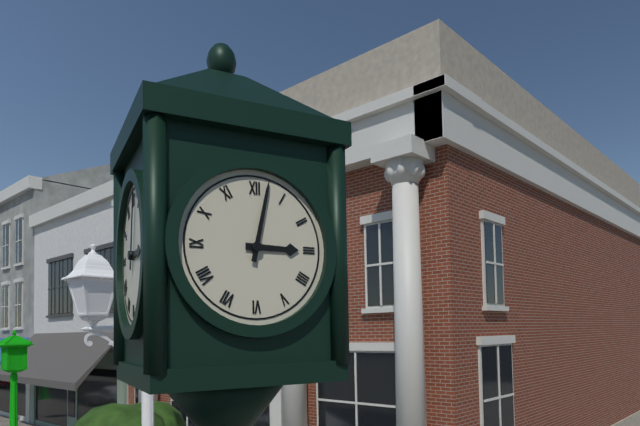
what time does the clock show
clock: 3:02
